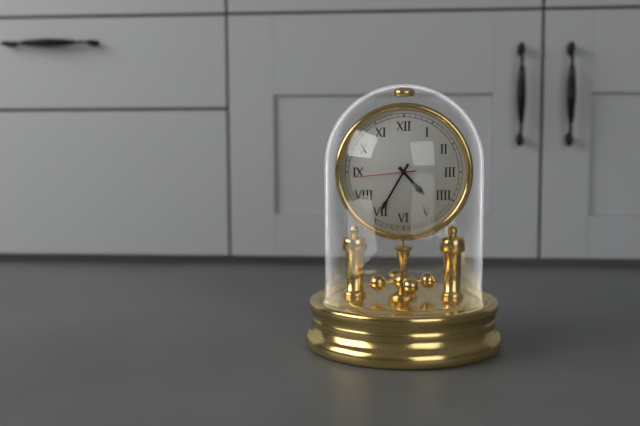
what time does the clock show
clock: 4:35:44
